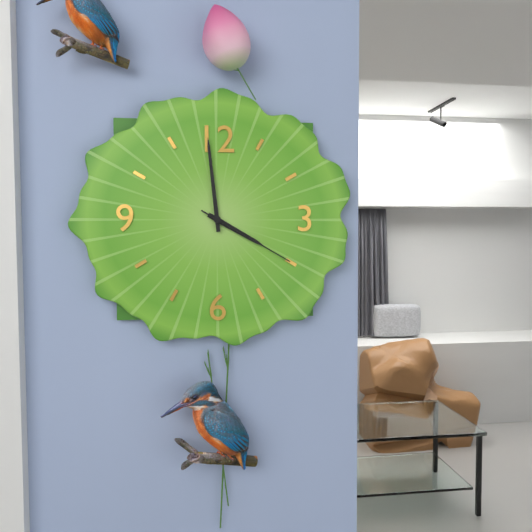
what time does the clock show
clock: 3:59:20
